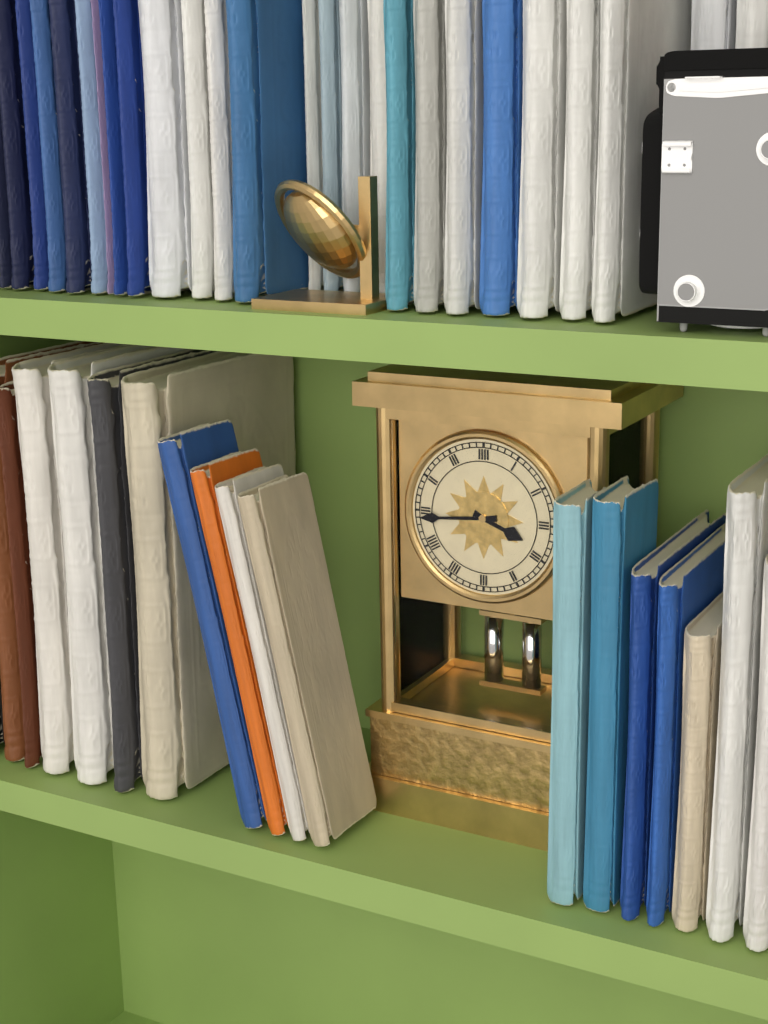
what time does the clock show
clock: 3:44
